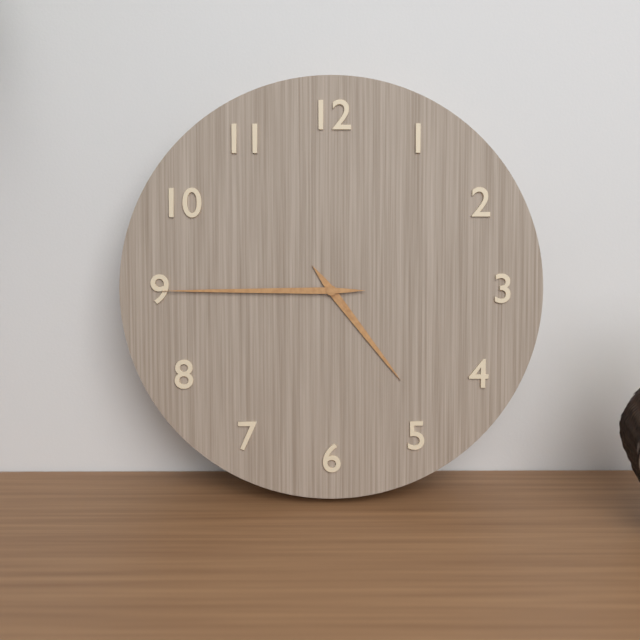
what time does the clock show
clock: 4:45
